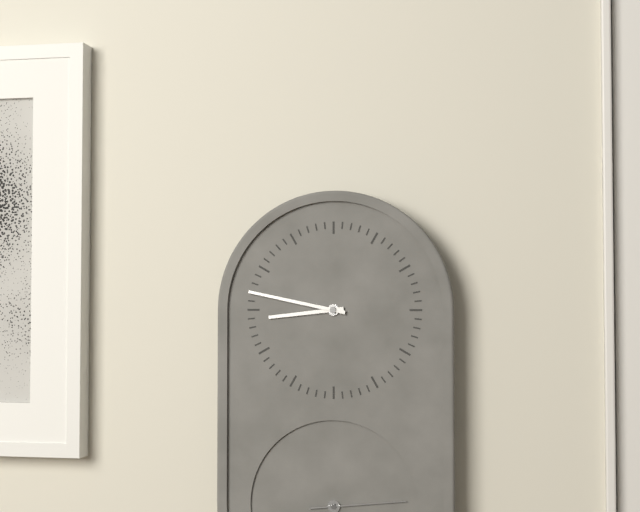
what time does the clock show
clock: 8:47:14
